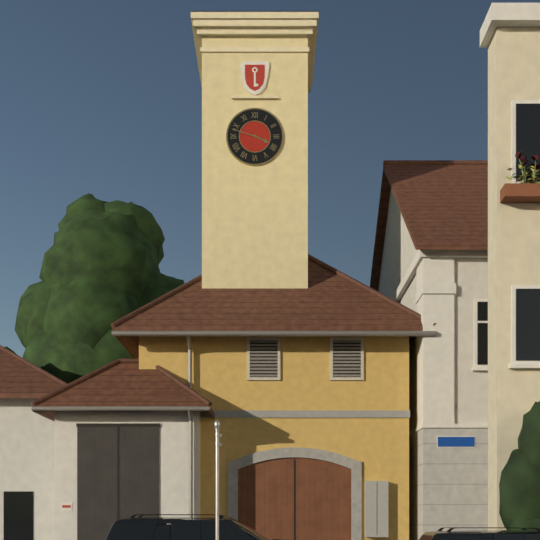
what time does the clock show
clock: 3:48
